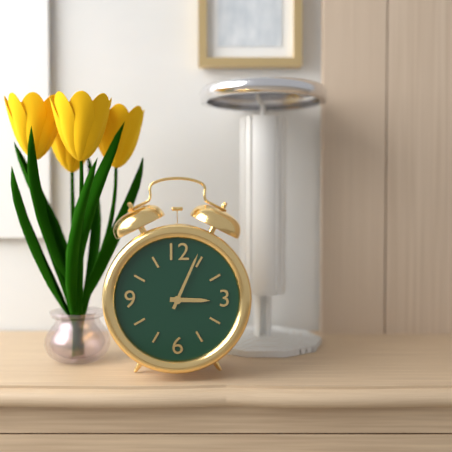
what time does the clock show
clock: 3:04
